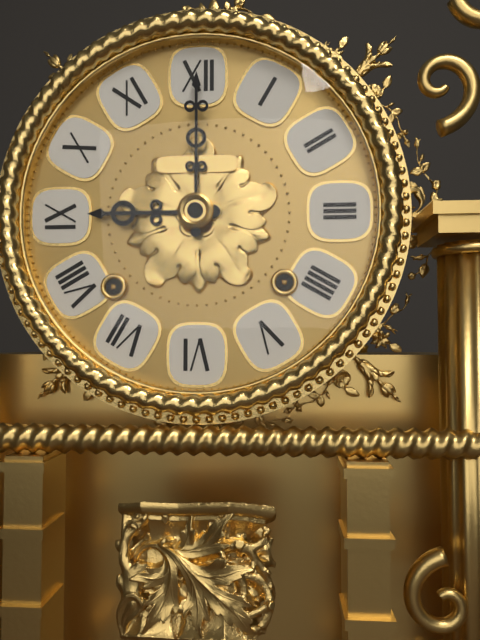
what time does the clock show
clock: 9:00
